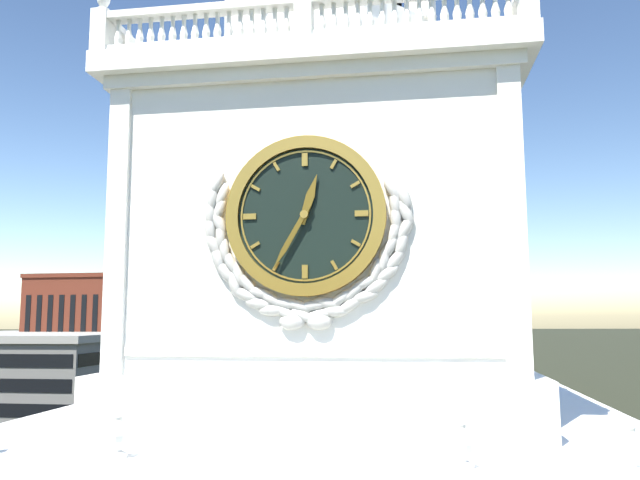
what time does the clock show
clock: 12:35
